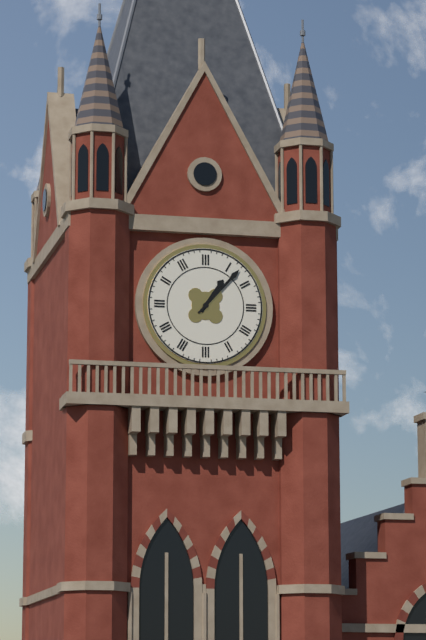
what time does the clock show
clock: 1:07
